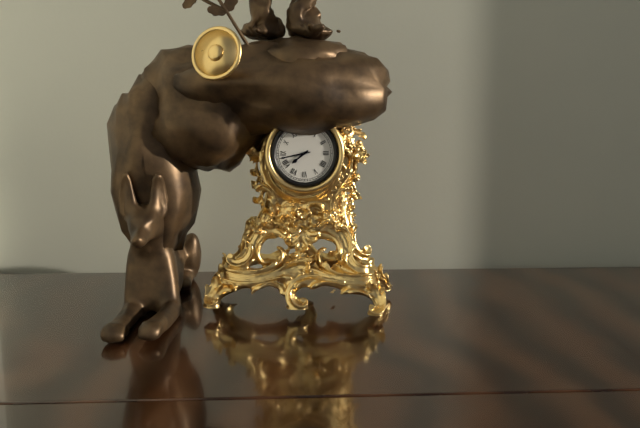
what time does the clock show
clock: 7:43
